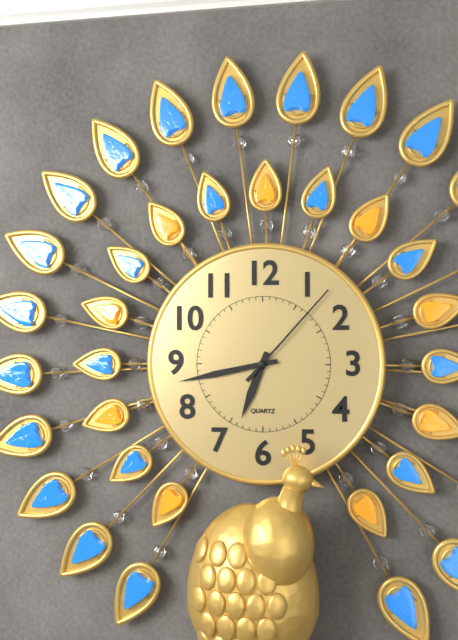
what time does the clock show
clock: 6:43:07
